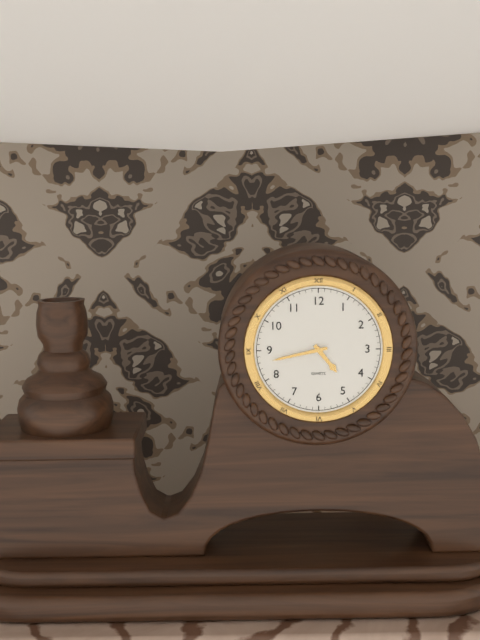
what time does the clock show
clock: 4:43
